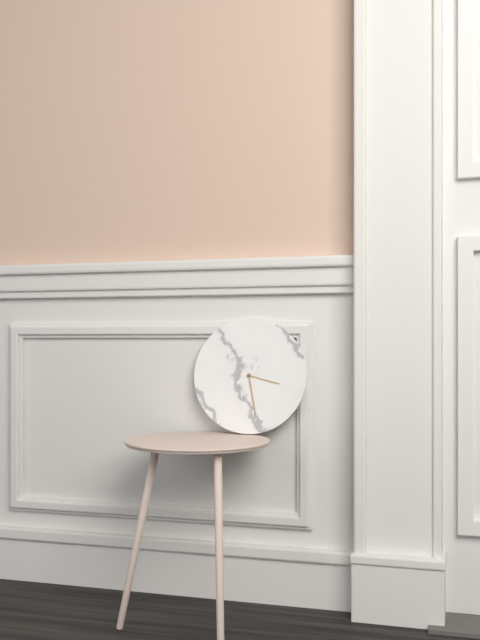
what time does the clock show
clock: 3:28
